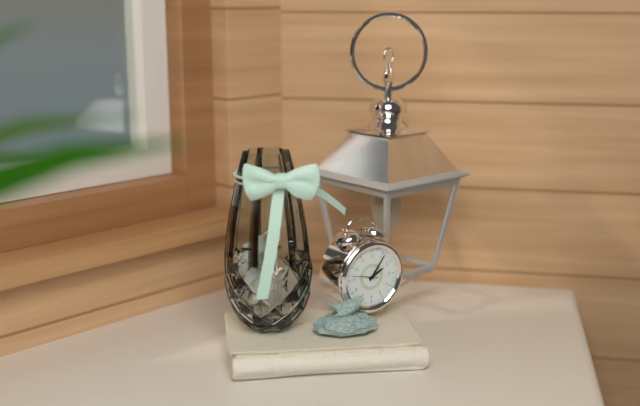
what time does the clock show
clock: 2:06
